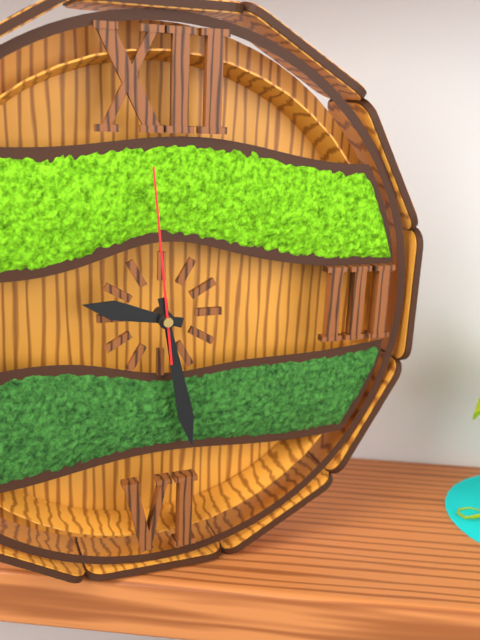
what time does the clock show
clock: 9:28:59
